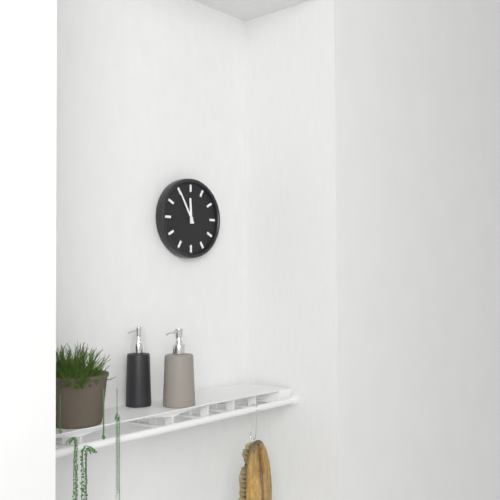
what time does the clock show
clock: 11:55
